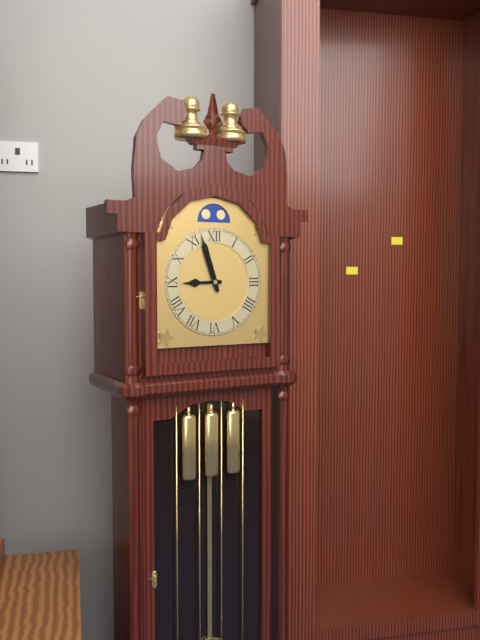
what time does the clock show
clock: 8:57
